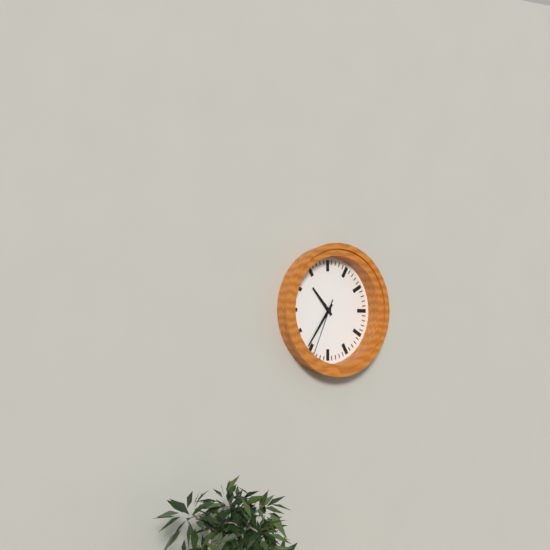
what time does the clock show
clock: 10:36:34
